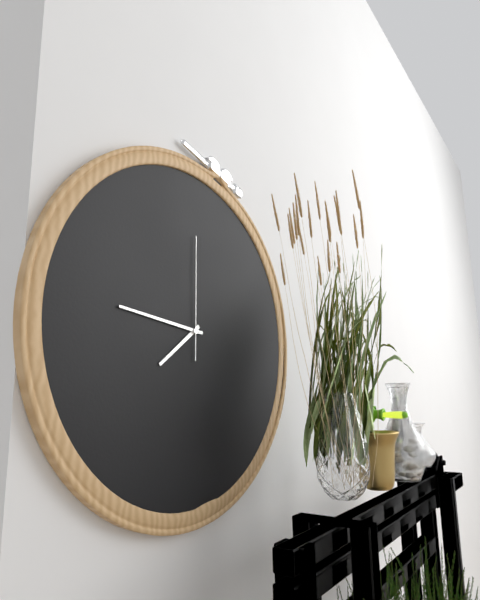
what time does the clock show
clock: 7:46:00
